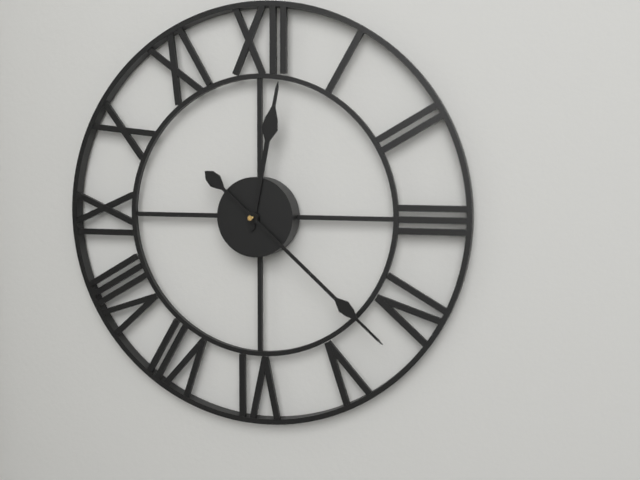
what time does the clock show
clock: 12:22
